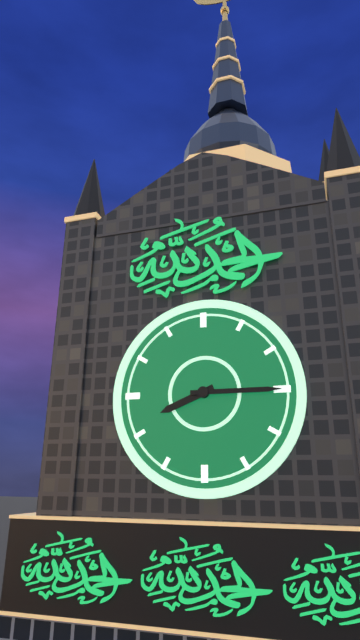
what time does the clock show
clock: 8:15
